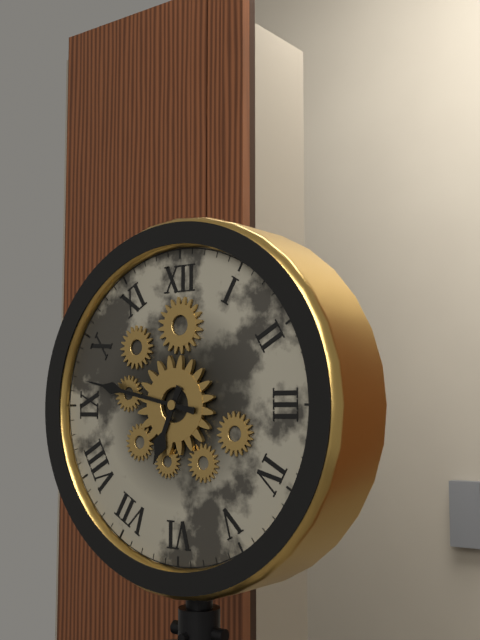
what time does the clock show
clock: 6:47
